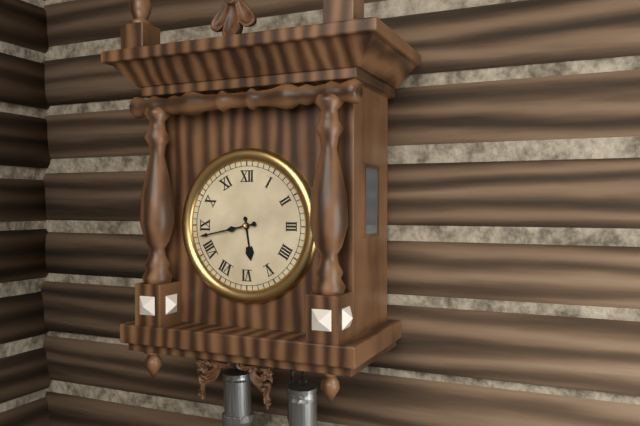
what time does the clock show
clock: 5:43
